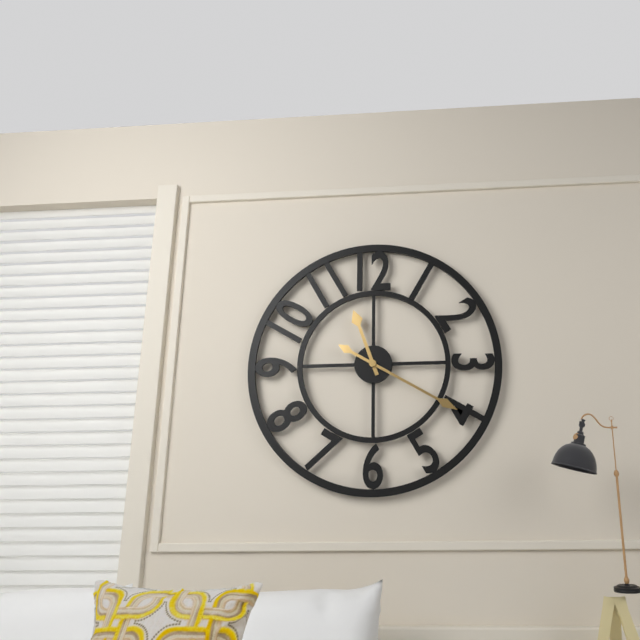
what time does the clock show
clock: 11:20
